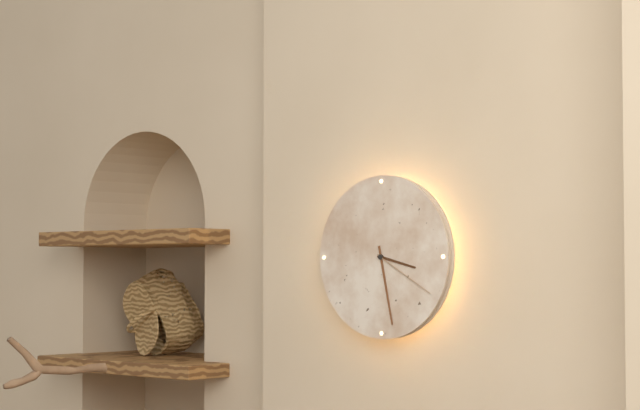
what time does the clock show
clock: 3:28:20
